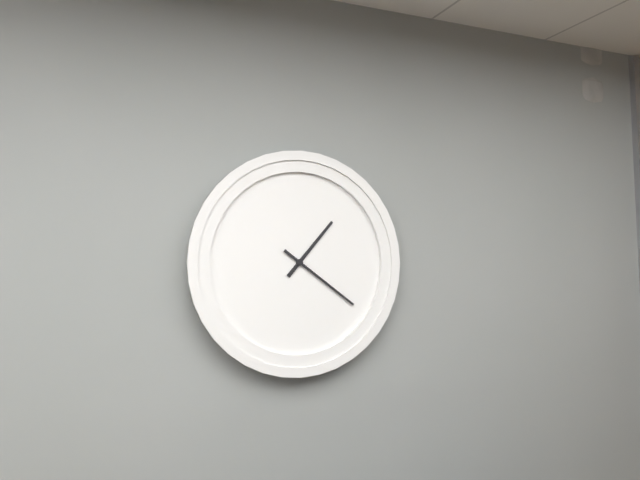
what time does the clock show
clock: 1:21
